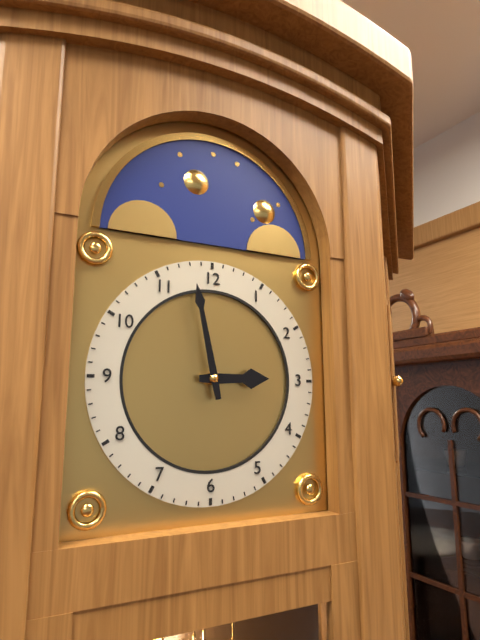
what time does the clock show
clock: 2:58
